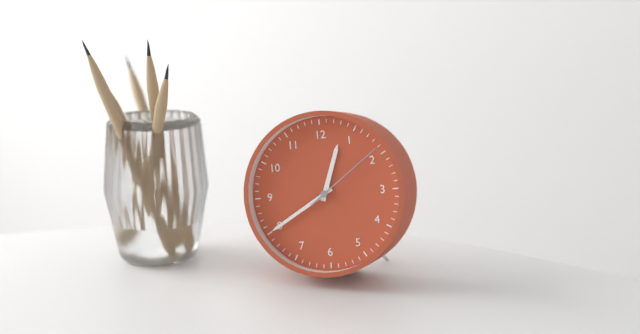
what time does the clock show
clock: 12:40:09
